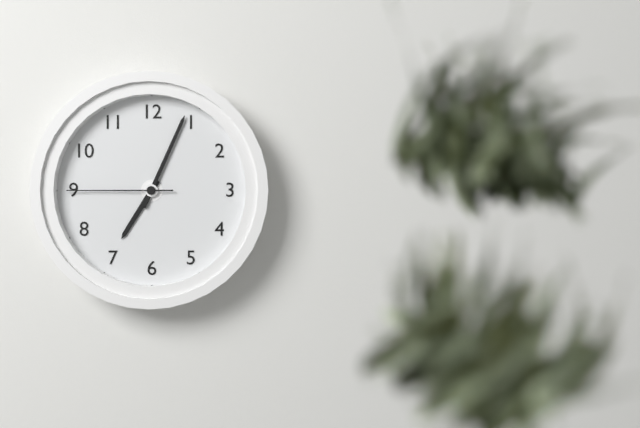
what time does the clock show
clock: 7:04:45
